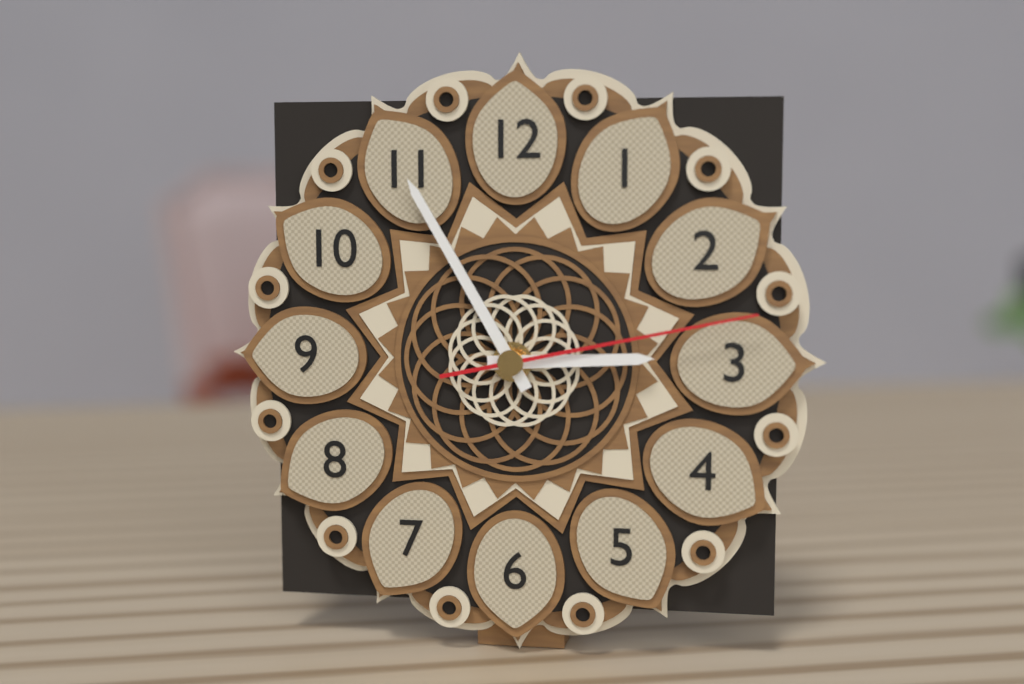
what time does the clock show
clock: 2:55:13
